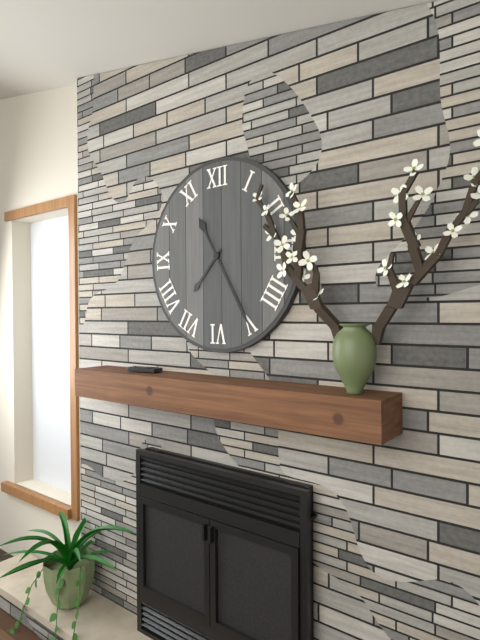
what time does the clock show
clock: 7:25
